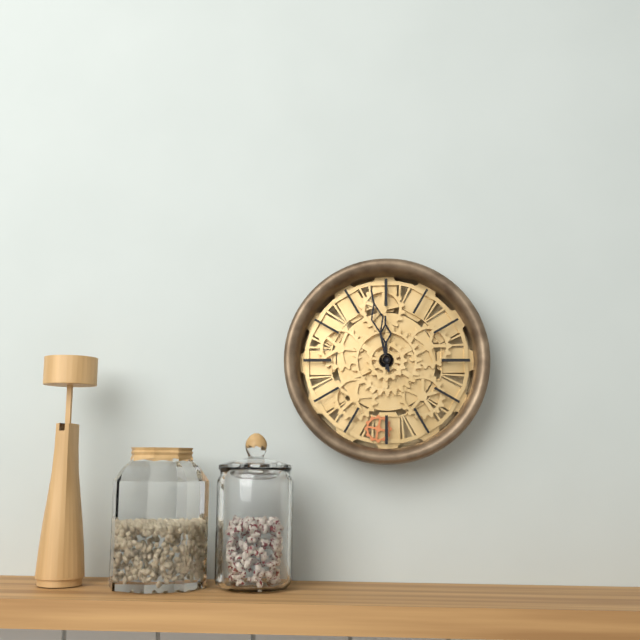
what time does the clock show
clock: 11:58
